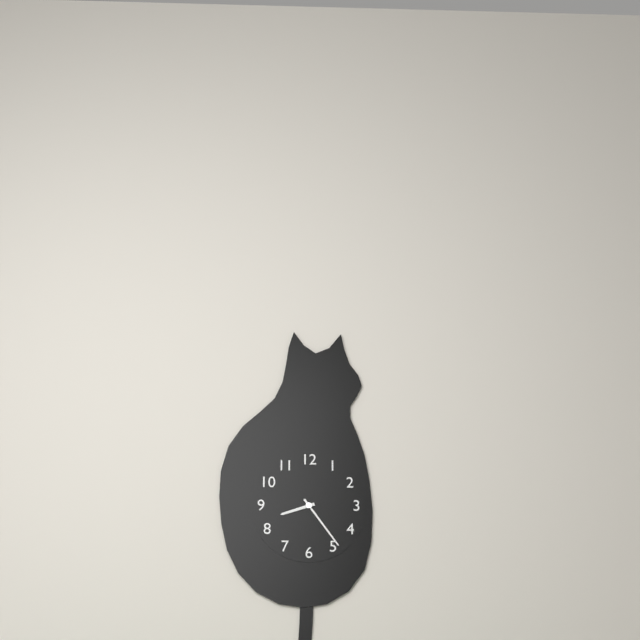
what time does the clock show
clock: 8:24
